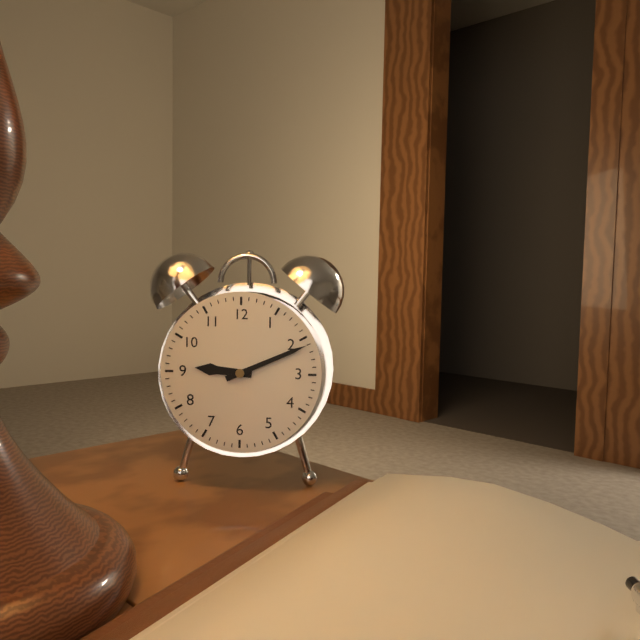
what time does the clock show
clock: 9:11
